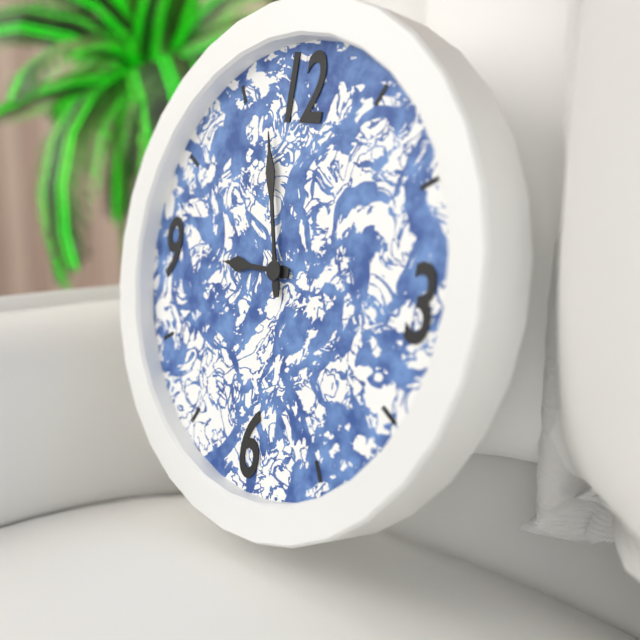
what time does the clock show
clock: 8:57
